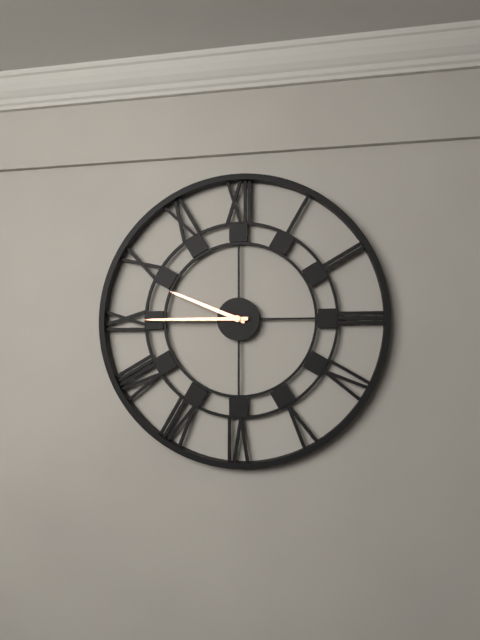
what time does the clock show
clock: 9:45
